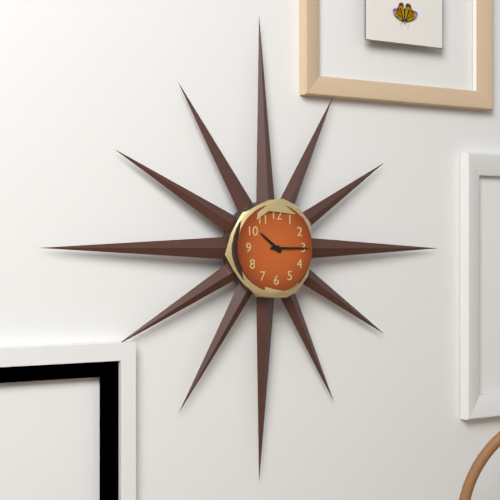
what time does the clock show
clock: 10:15
